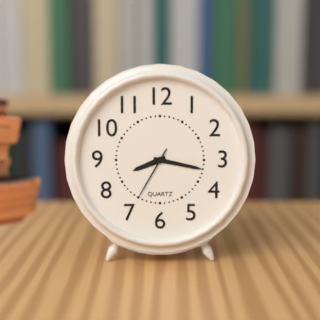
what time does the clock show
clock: 8:17:35
